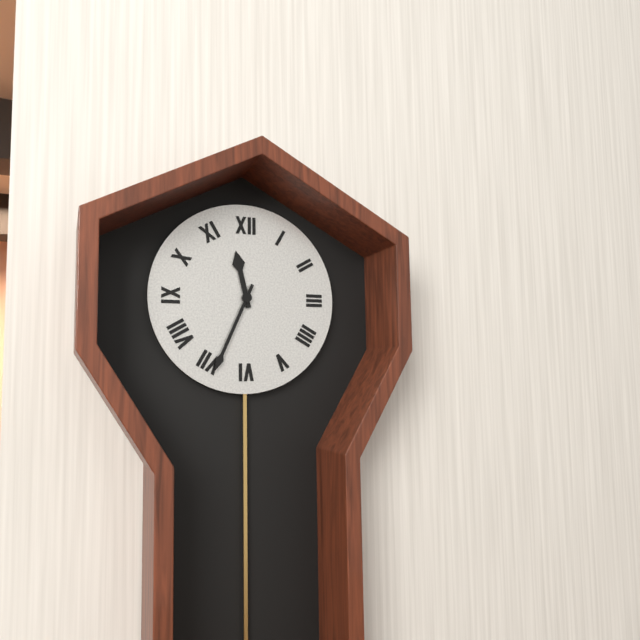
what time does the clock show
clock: 11:34
